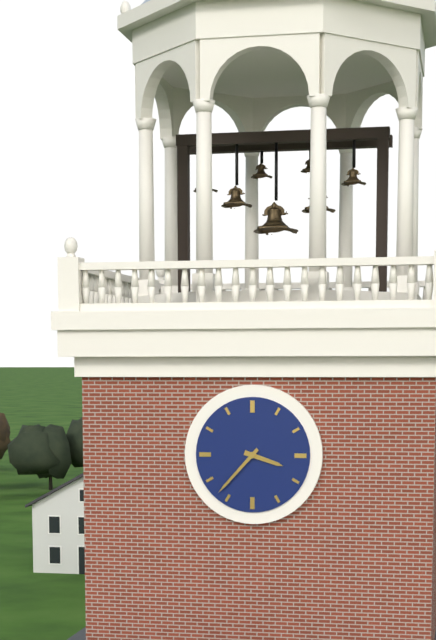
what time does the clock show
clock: 3:37
